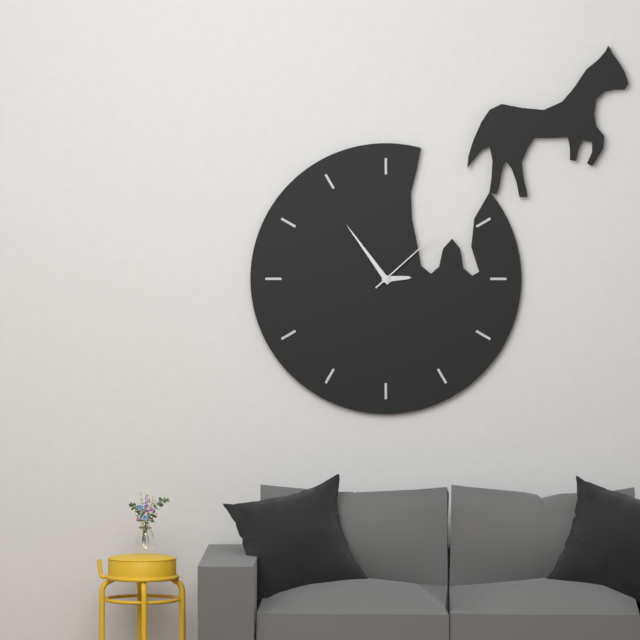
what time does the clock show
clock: 2:54:08
